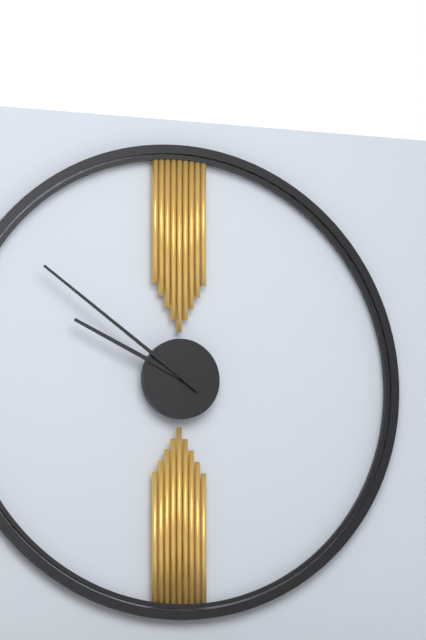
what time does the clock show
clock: 9:51
